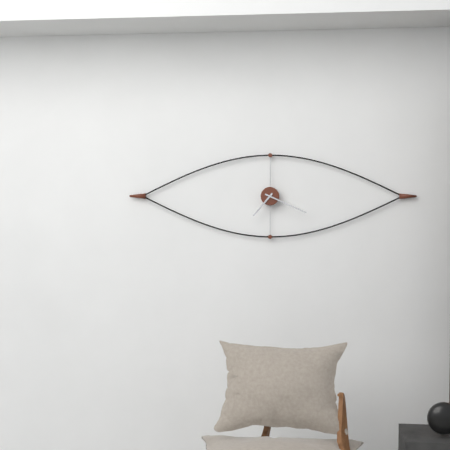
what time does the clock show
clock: 7:19
